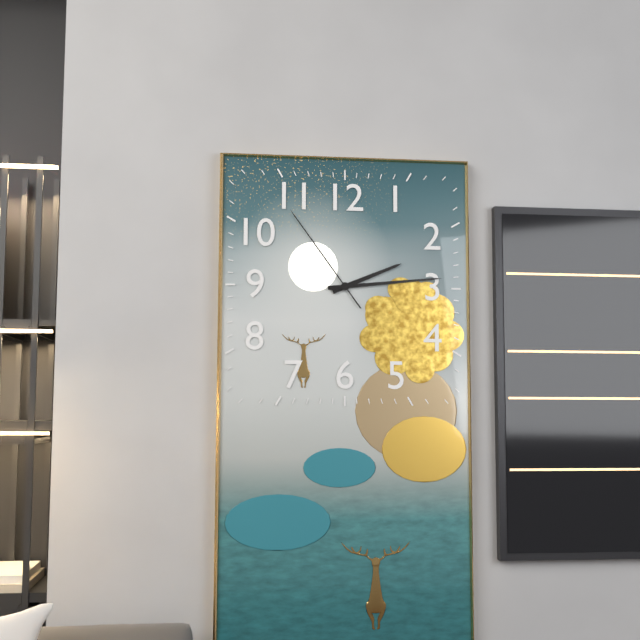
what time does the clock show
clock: 2:14:54
